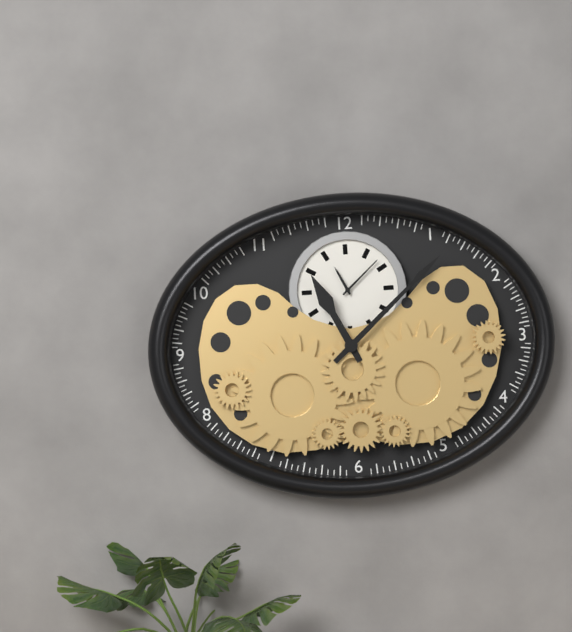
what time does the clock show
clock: 11:08
